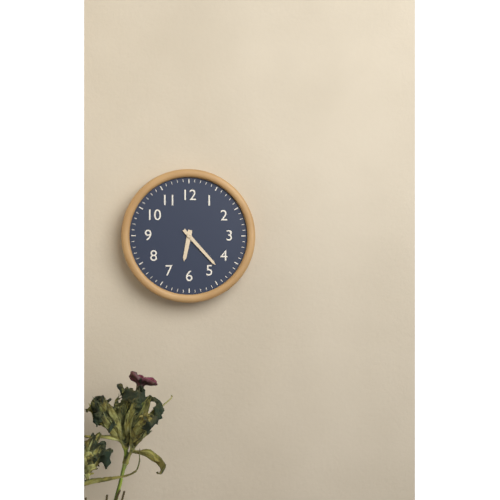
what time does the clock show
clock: 6:23
